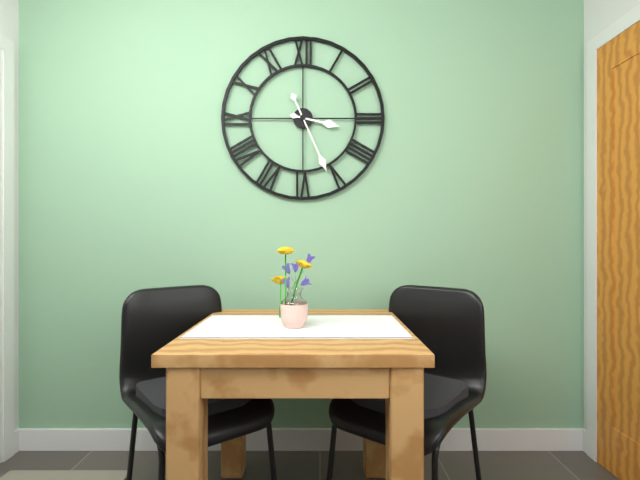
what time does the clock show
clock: 3:26
